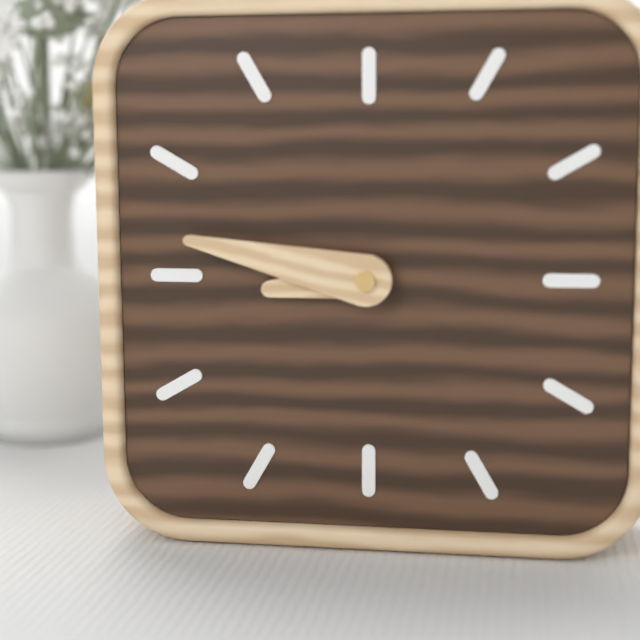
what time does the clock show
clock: 8:47
